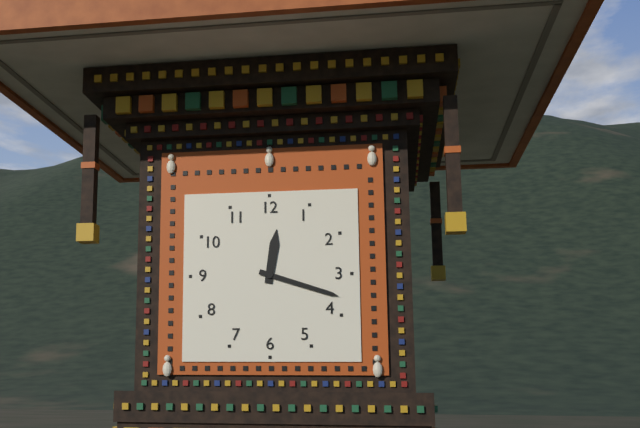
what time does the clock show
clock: 12:18
